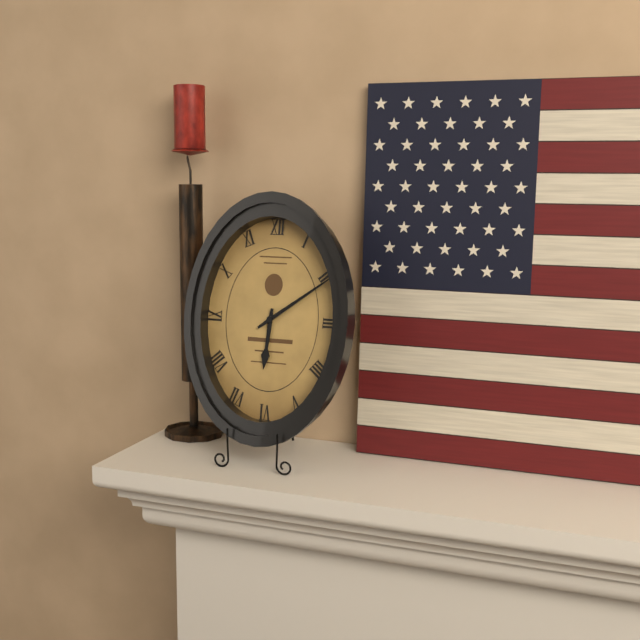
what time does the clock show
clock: 6:09
